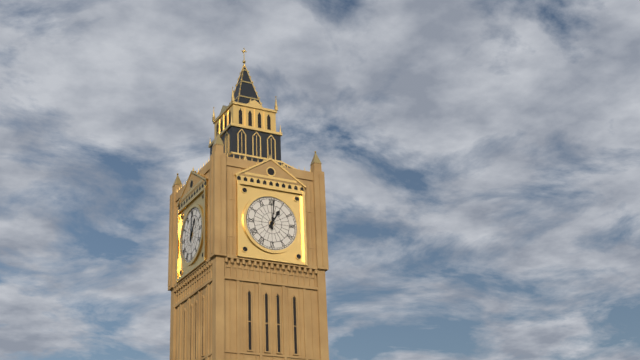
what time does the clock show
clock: 1:01
